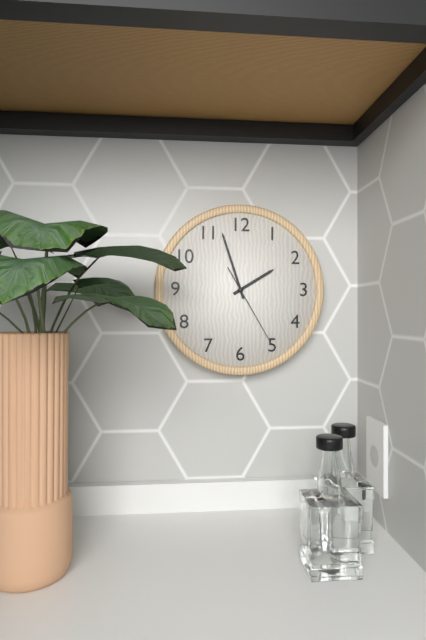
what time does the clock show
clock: 1:57:25
